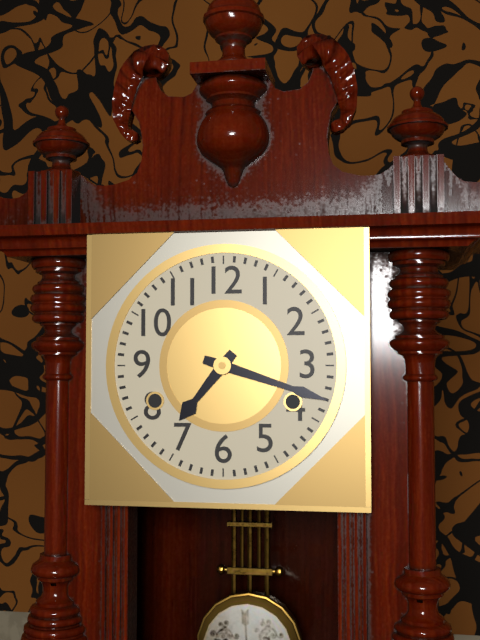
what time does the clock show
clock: 7:18
